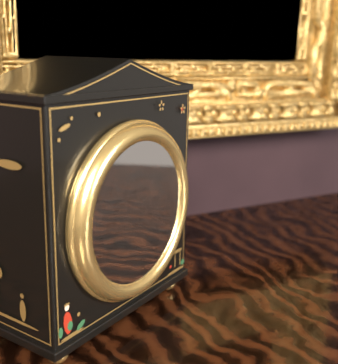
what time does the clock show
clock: 1:57
